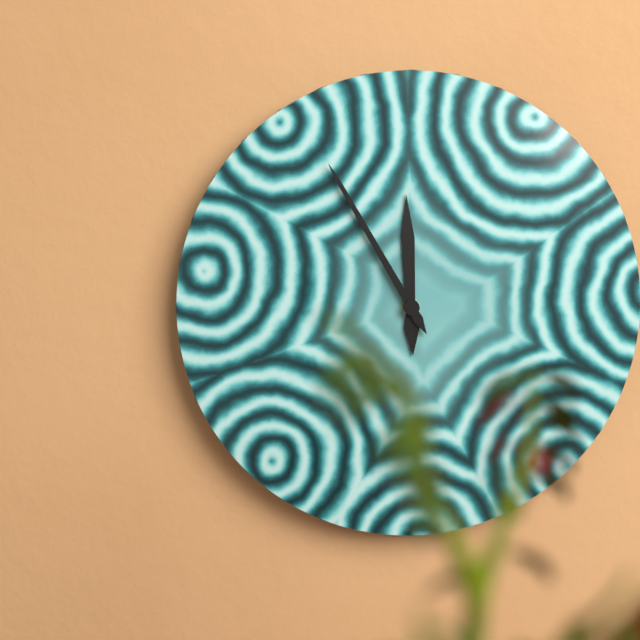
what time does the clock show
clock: 11:55
